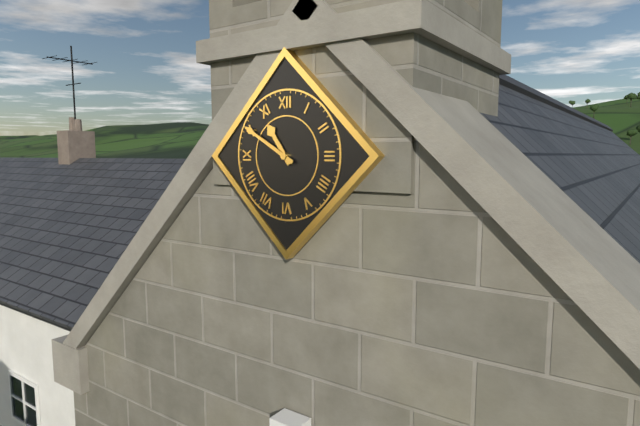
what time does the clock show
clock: 10:50
